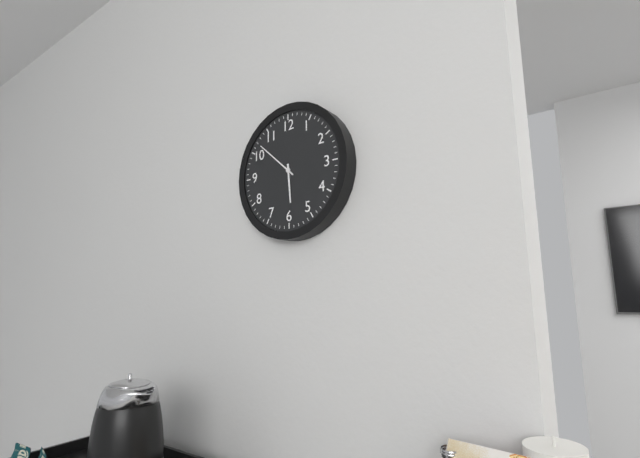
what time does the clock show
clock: 5:52
